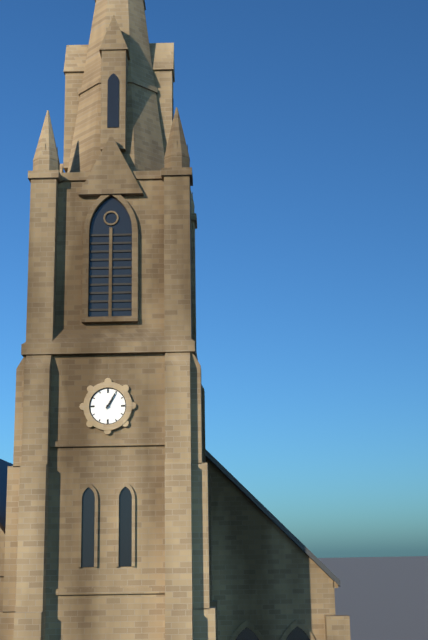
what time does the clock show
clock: 1:05
